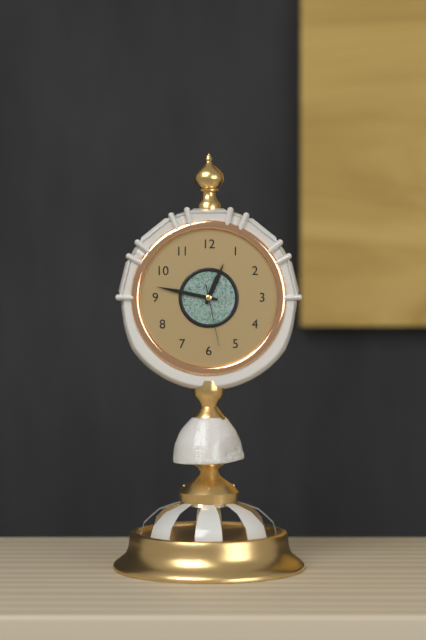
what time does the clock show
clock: 12:47:28
